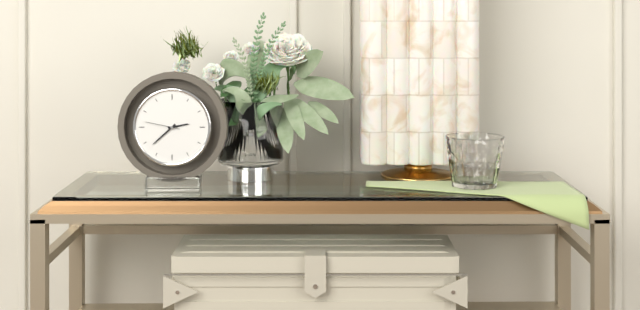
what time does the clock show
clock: 2:38
